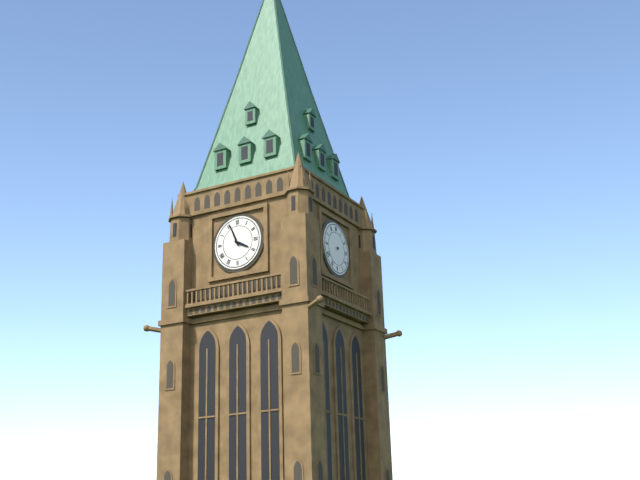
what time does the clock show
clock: 3:56
